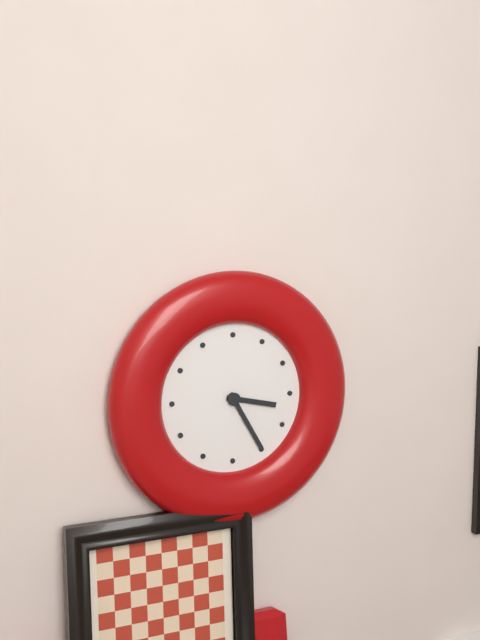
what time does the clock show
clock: 3:25
